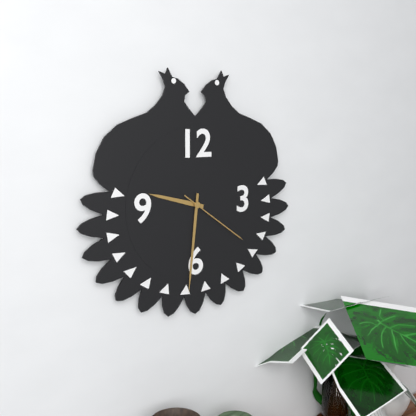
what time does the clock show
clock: 9:31:21
